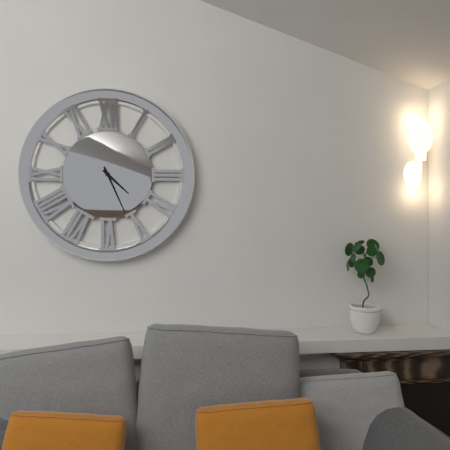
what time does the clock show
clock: 4:26
